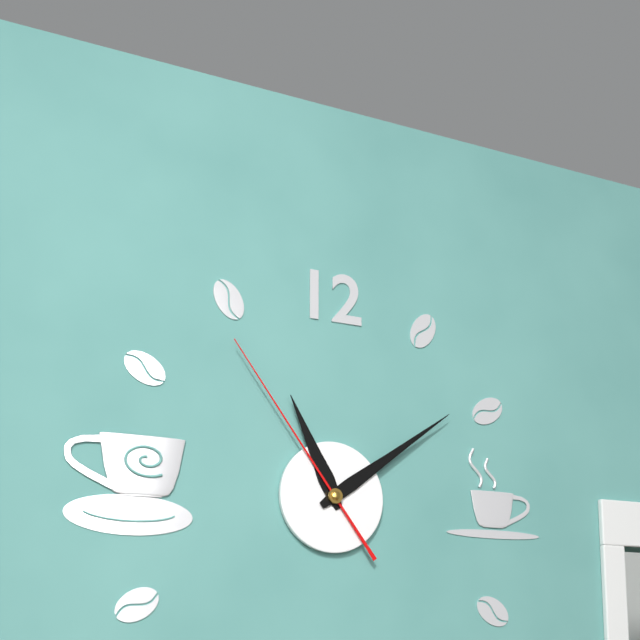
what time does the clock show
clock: 11:09:54
